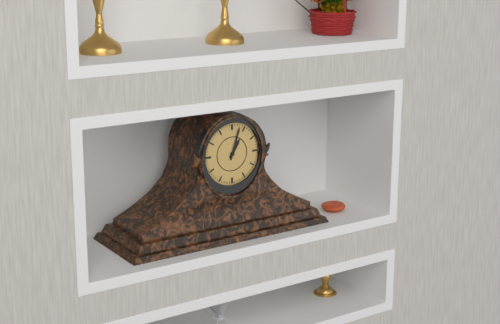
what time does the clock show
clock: 1:03
